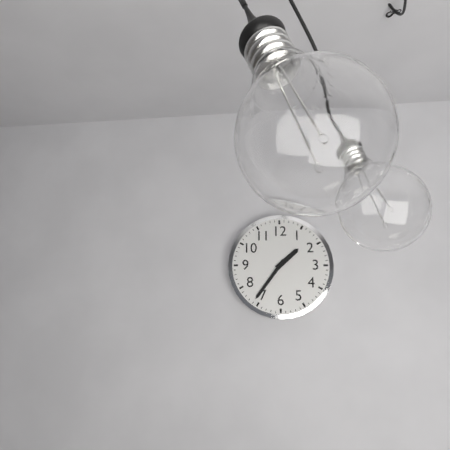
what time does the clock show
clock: 1:36
